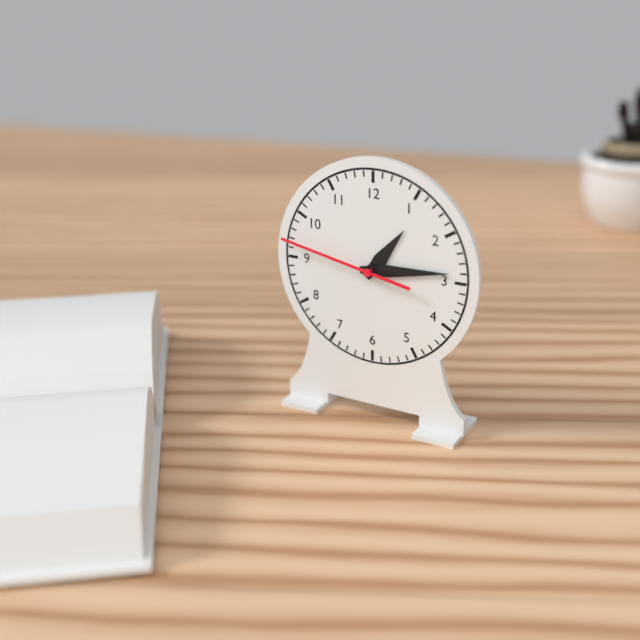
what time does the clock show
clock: 1:14:47
